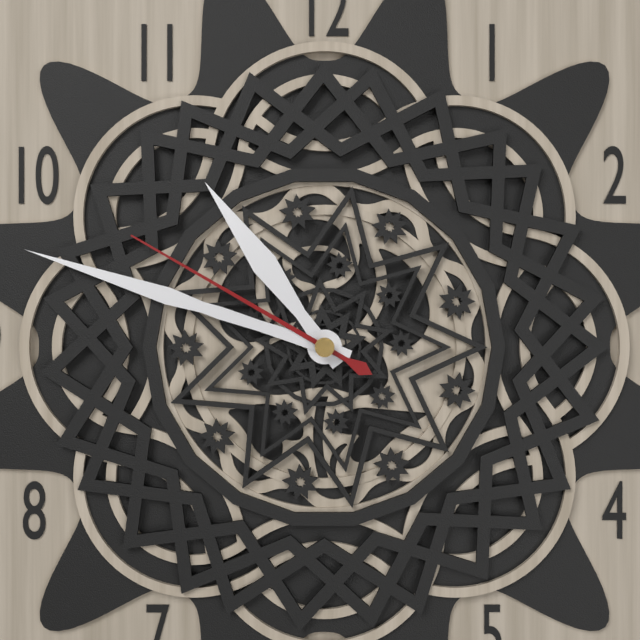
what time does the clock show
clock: 10:48:50
